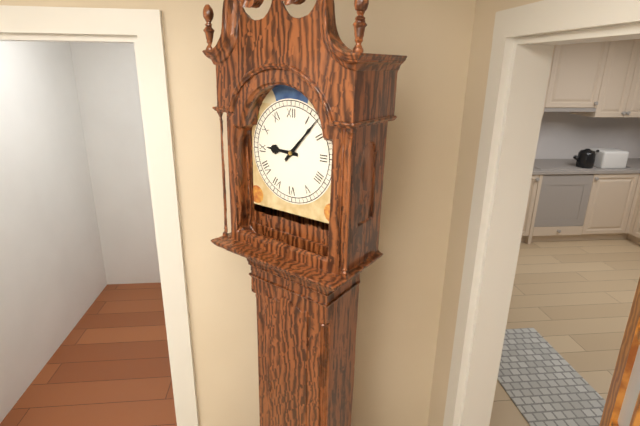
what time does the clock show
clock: 9:07
